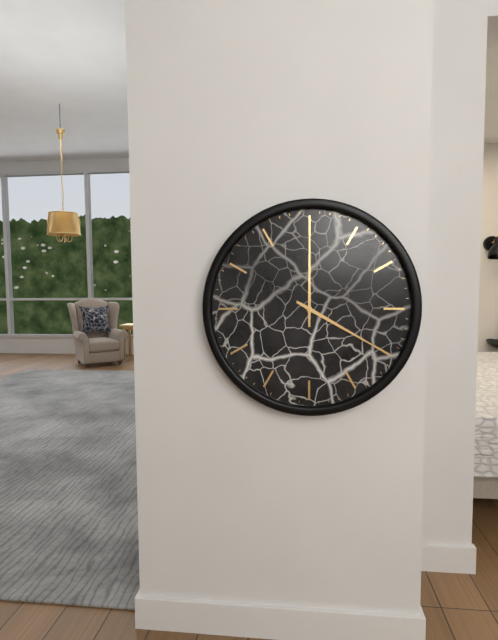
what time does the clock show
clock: 4:00
